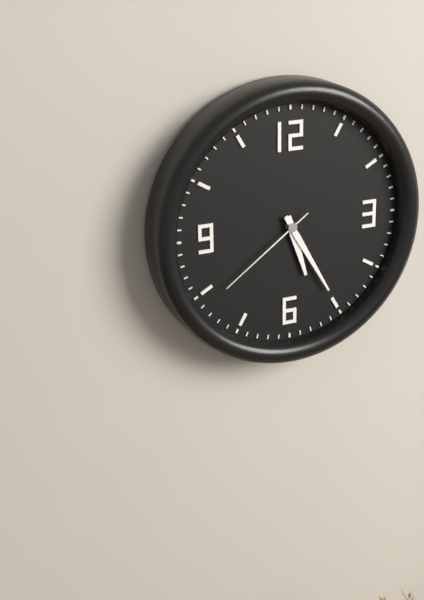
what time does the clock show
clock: 5:25:39
